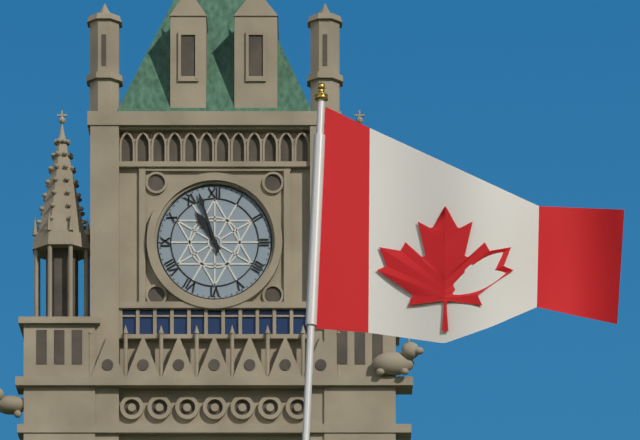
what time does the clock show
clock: 10:57
